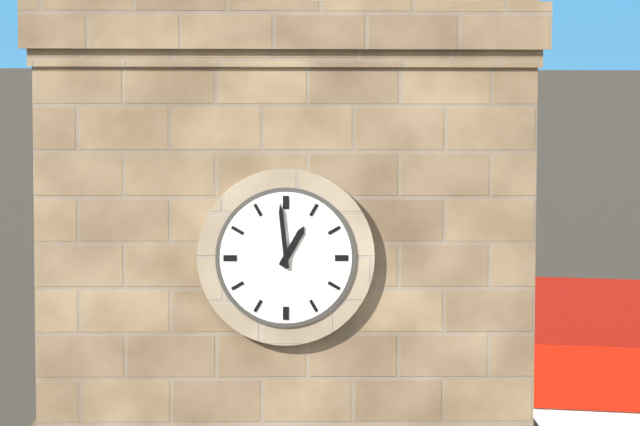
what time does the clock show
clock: 12:59
